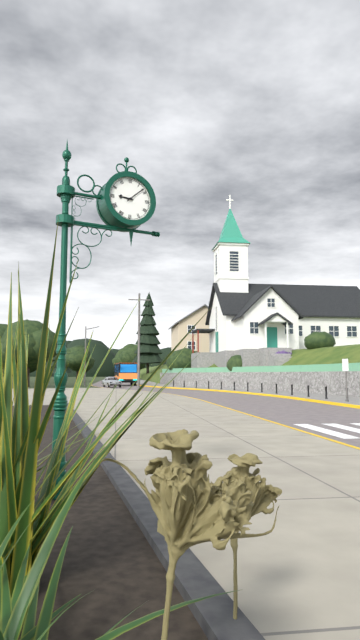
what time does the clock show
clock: 9:08
